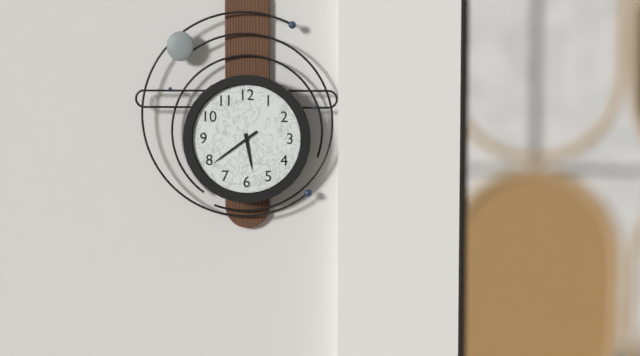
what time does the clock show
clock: 5:39
